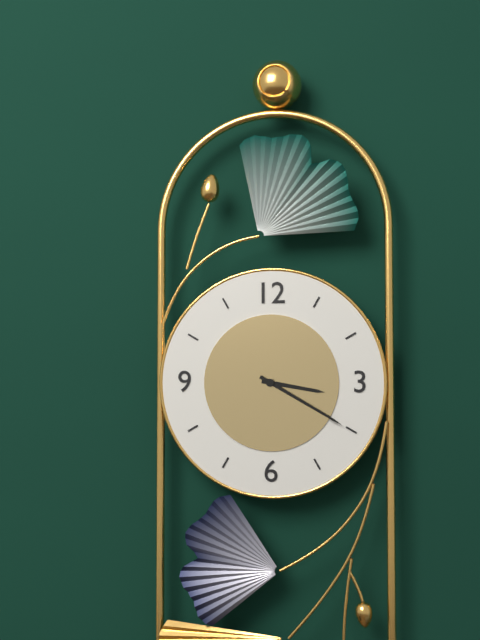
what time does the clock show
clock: 3:20
